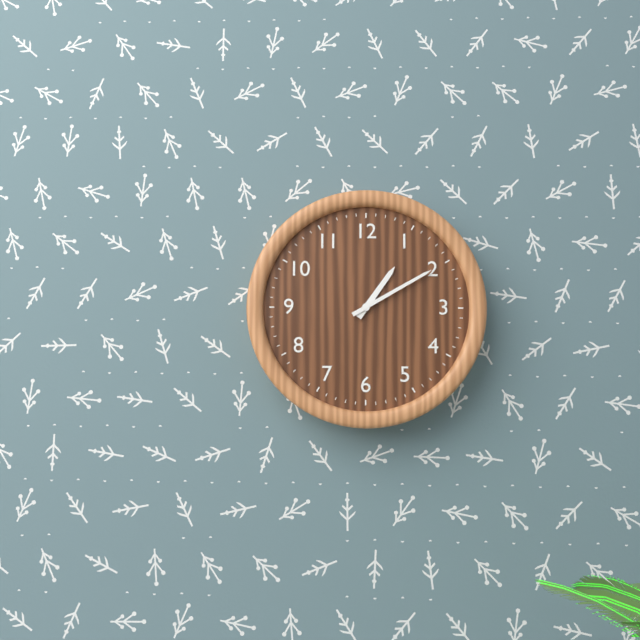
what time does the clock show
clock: 1:10
